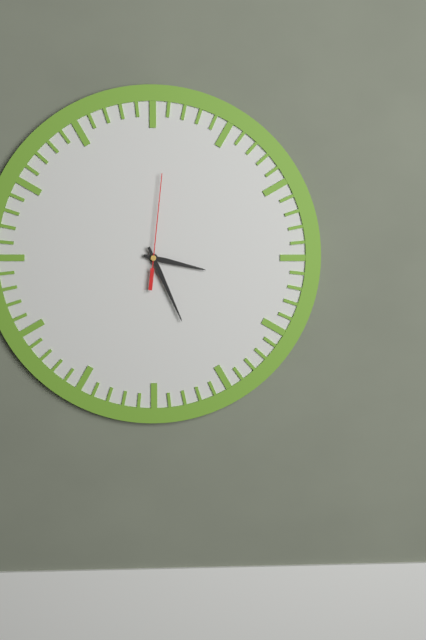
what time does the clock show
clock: 3:26:01
